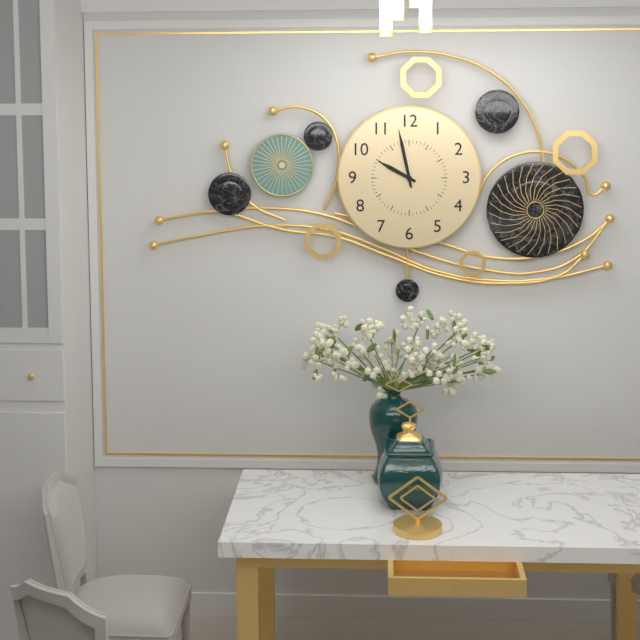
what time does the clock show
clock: 9:58
